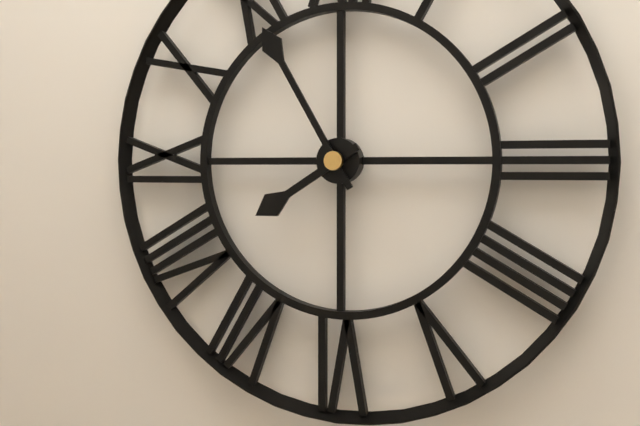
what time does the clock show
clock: 7:55
